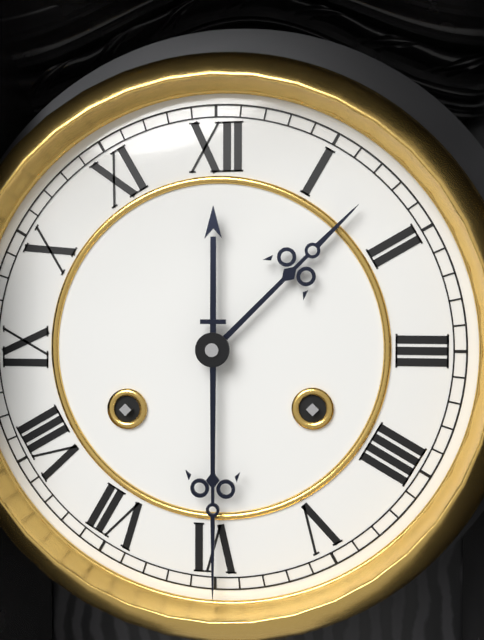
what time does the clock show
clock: 1:30
